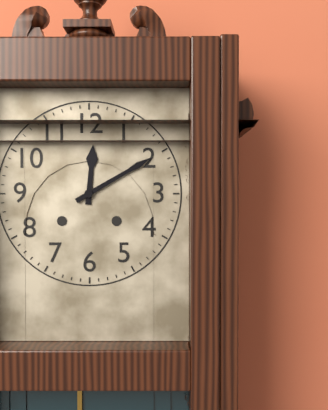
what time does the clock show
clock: 12:10
